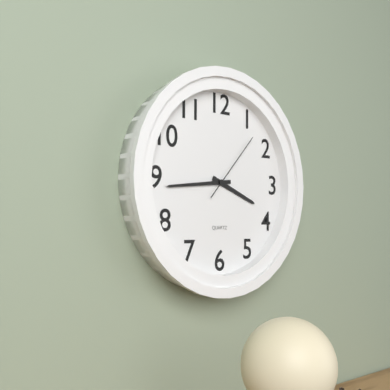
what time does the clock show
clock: 3:44:07
